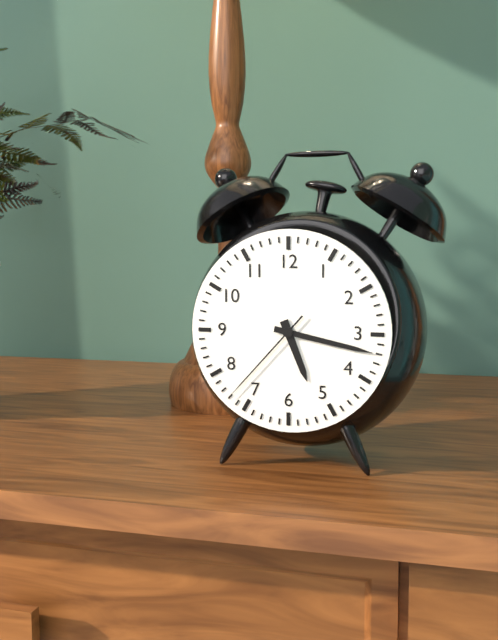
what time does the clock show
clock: 5:17:37
